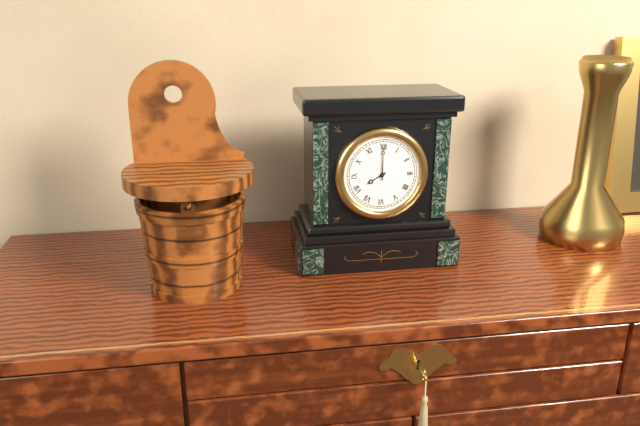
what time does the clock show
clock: 8:00
